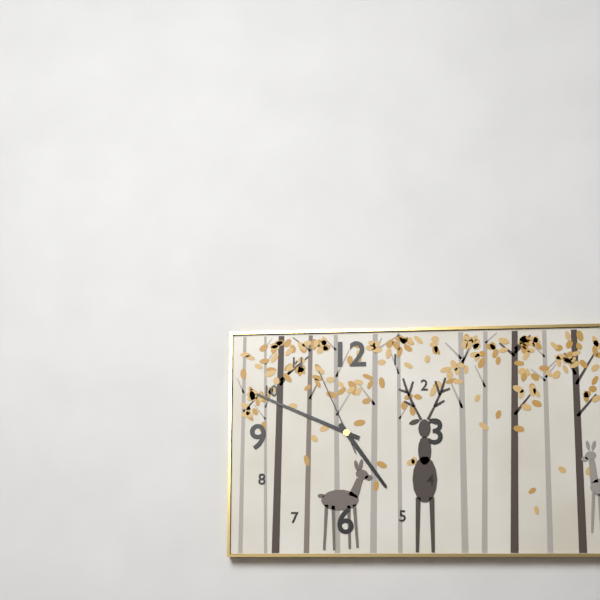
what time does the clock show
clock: 4:49:56
